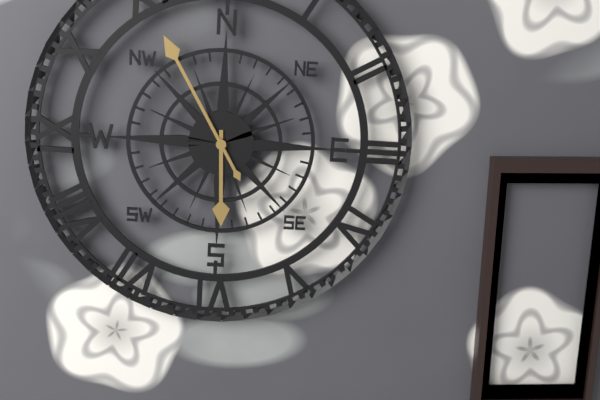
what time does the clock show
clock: 5:55
